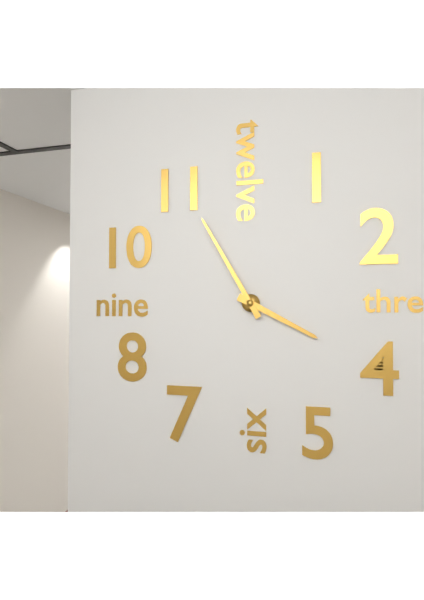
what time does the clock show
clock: 3:55
